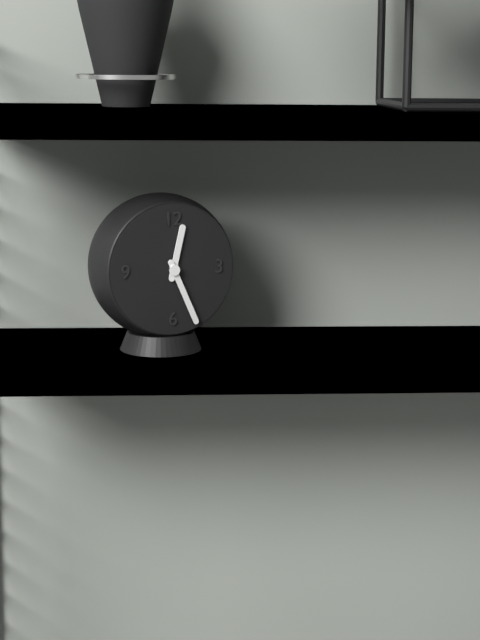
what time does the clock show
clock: 12:26
